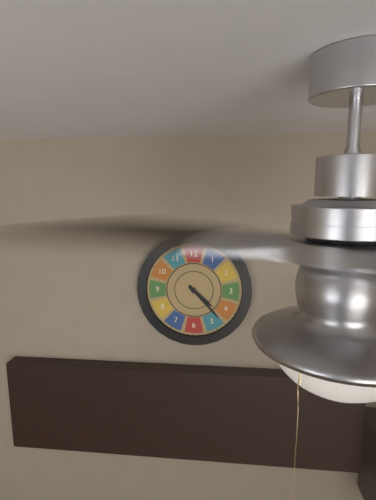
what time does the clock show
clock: 4:23
